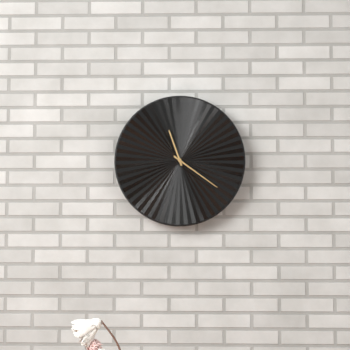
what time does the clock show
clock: 11:21
